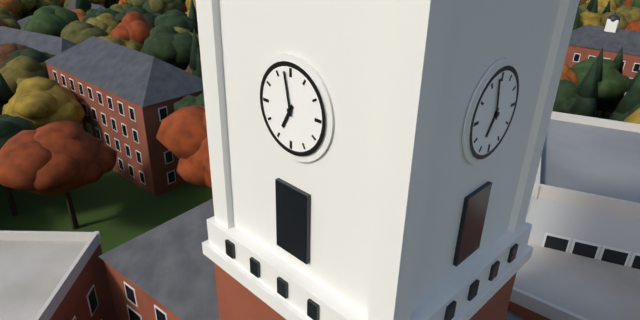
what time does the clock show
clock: 6:58
